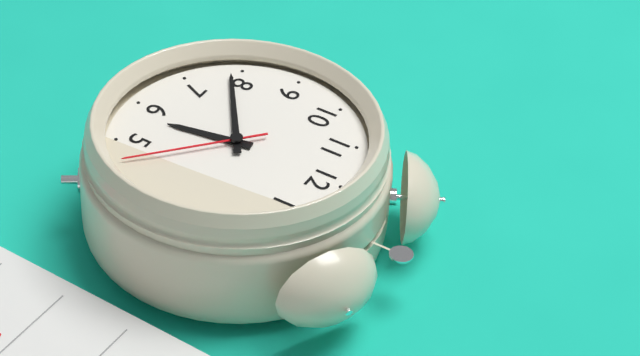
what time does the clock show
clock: 5:39:22
